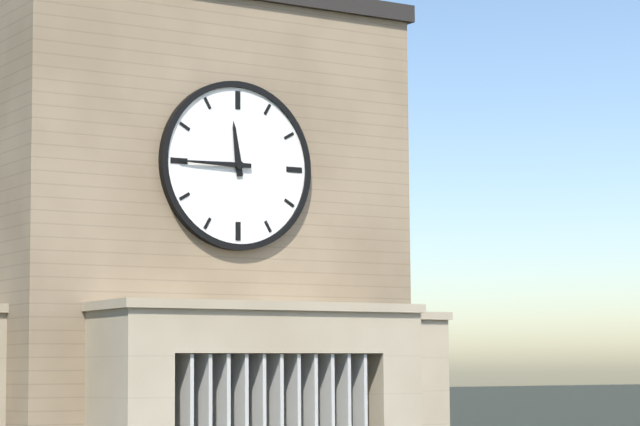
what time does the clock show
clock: 11:45
